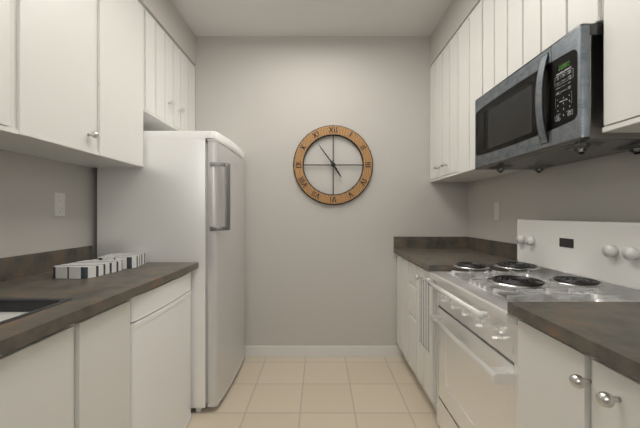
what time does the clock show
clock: 4:54
